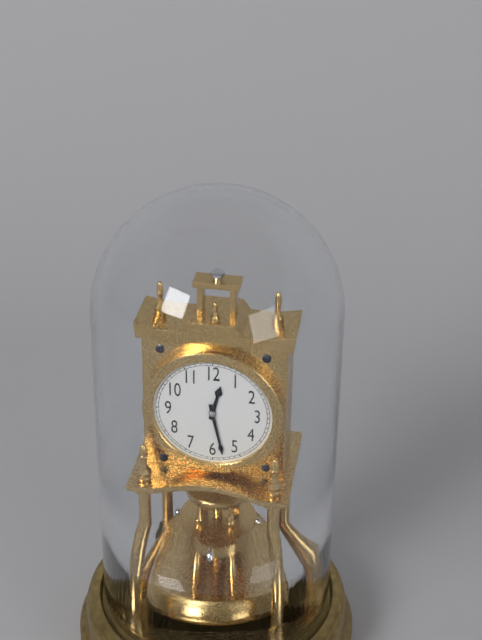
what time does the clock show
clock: 12:28
